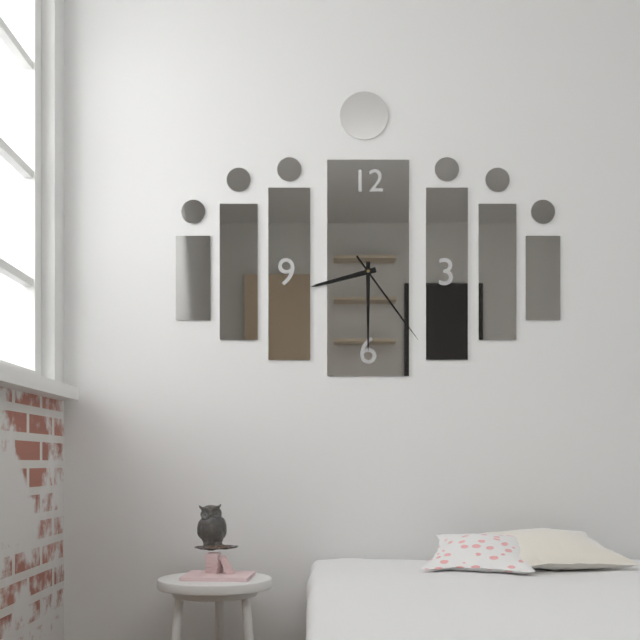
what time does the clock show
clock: 8:30:24
